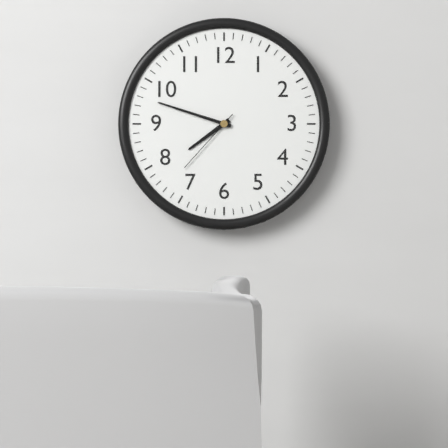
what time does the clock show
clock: 7:48:37
